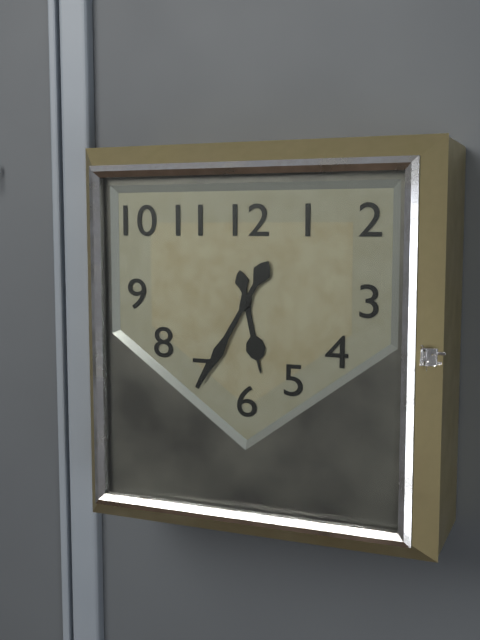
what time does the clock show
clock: 5:35
